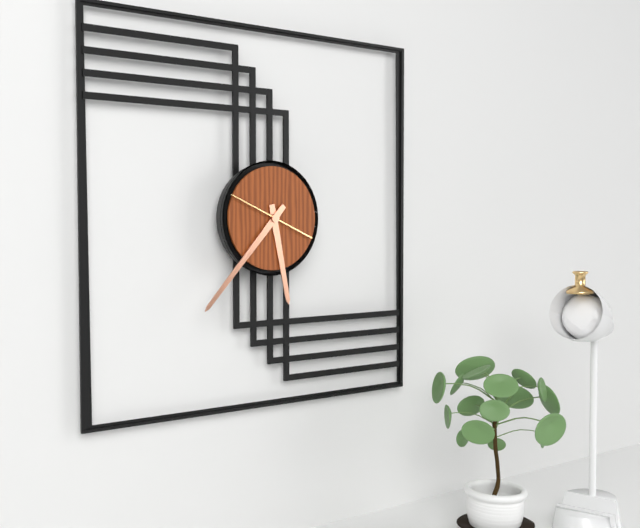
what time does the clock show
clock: 5:37:49
